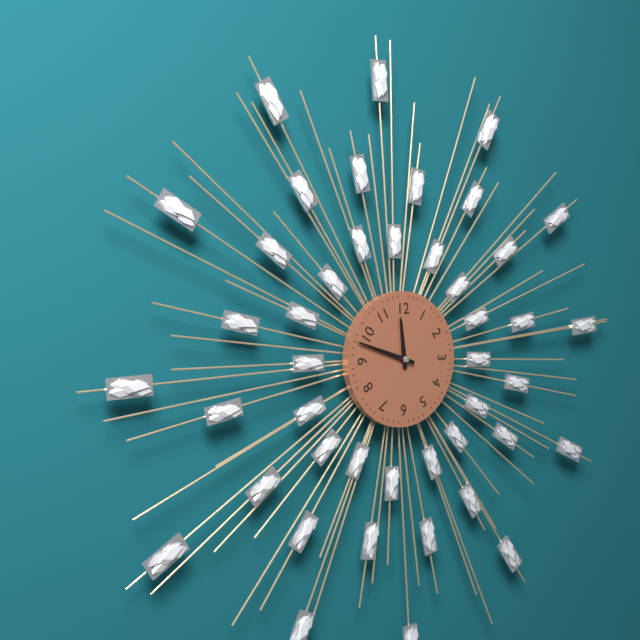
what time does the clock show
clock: 11:48
